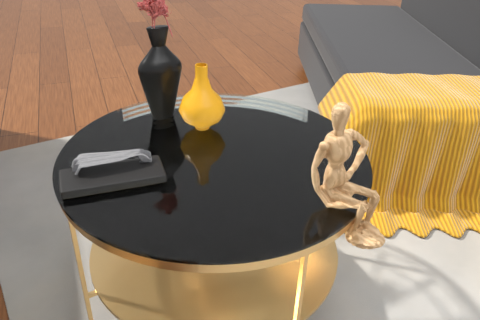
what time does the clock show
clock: 8:05
